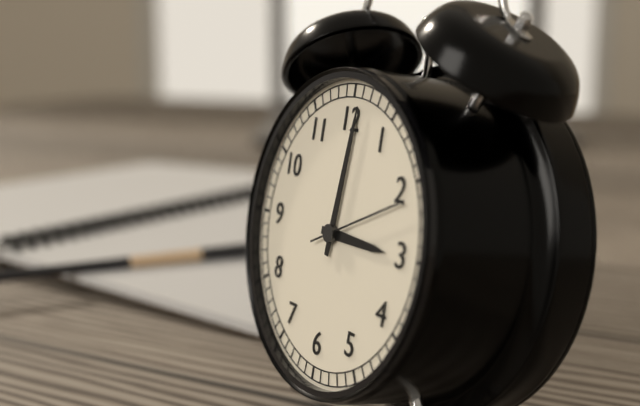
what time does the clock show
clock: 3:01:11
